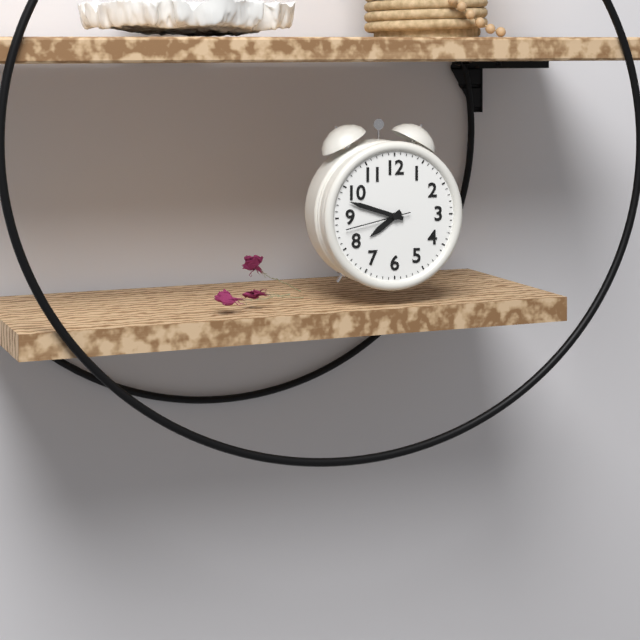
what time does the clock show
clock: 7:48
